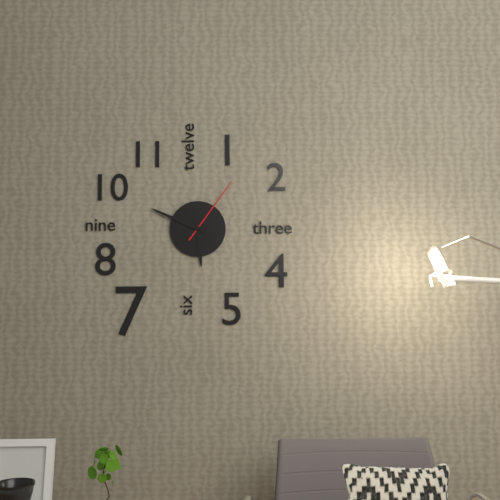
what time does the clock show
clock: 5:49:06
